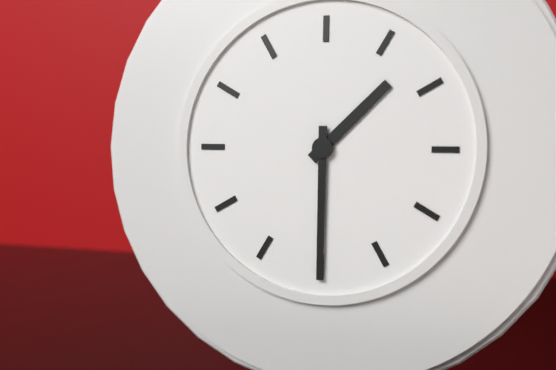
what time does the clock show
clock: 1:30
